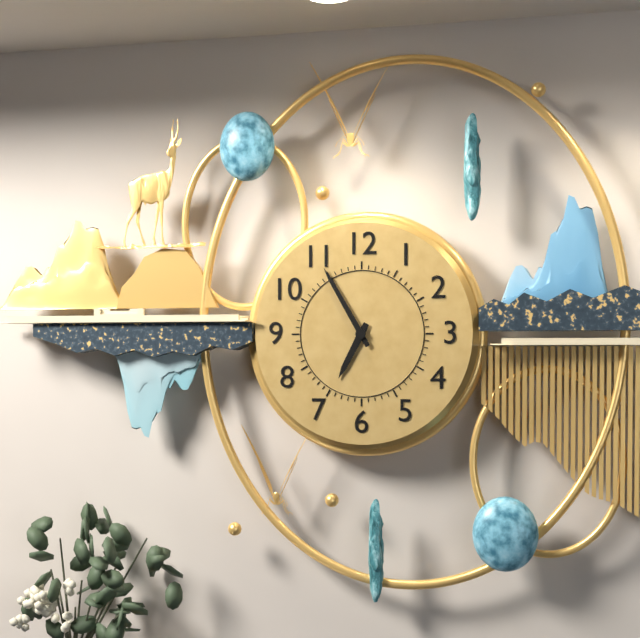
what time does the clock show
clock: 6:55
